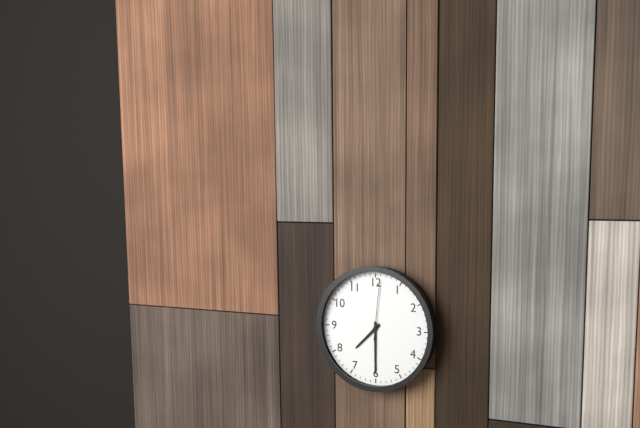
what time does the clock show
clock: 7:30:01
